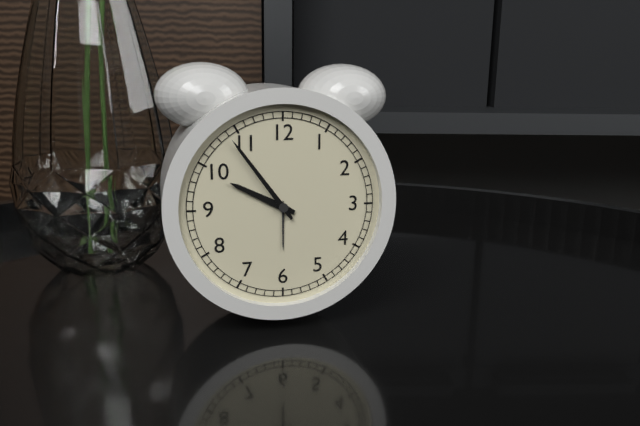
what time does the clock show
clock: 9:54
